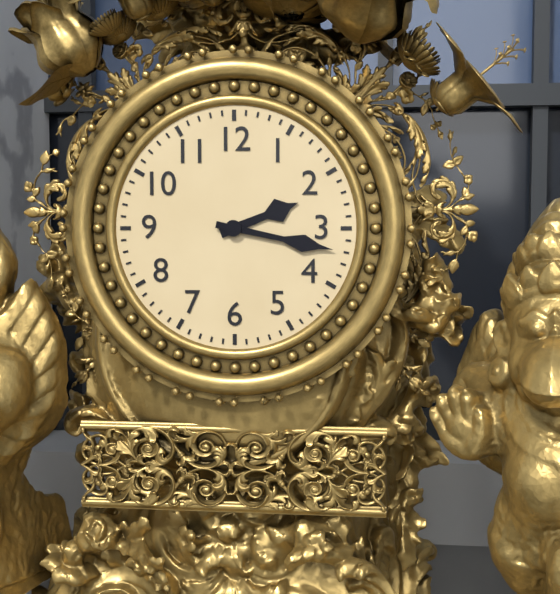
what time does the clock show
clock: 2:17
